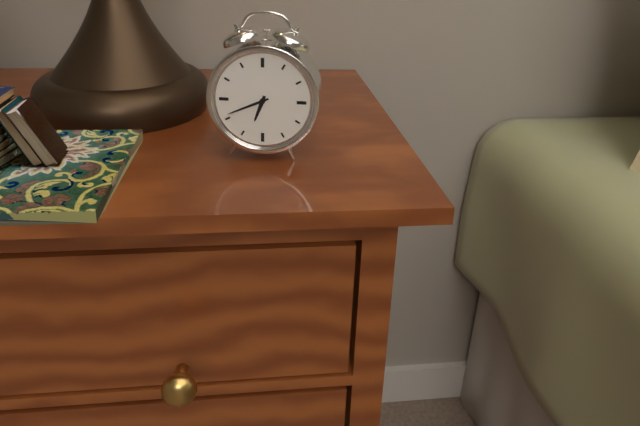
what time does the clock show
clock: 6:41
